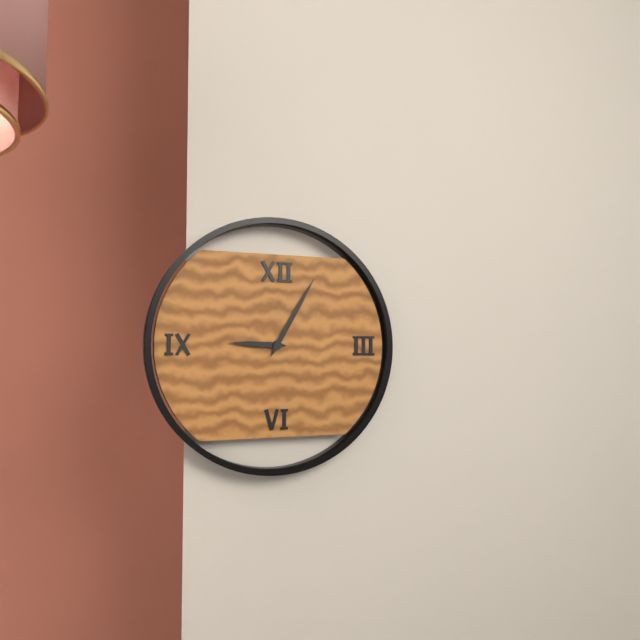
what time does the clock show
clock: 9:05
